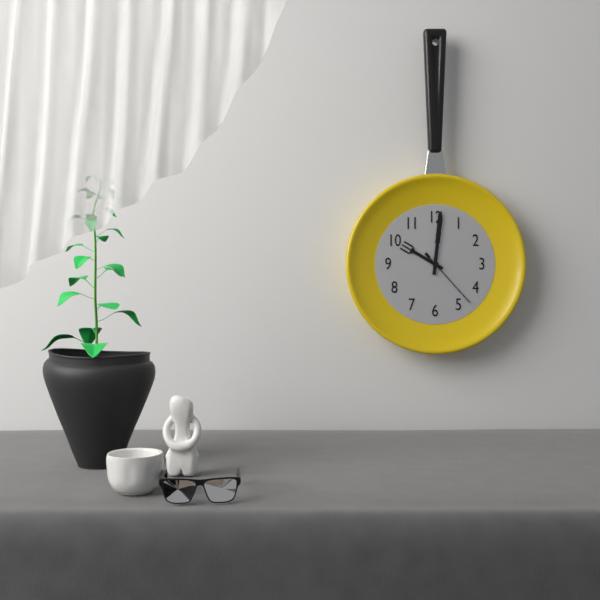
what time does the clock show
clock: 10:01:23
